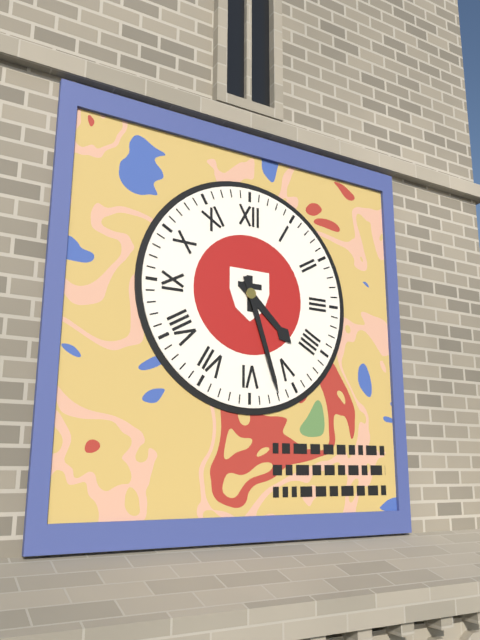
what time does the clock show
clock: 4:27
